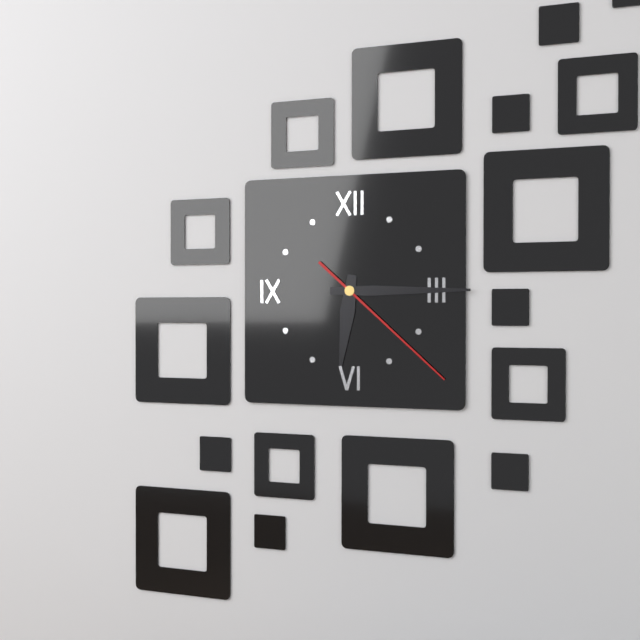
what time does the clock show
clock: 6:15:22
